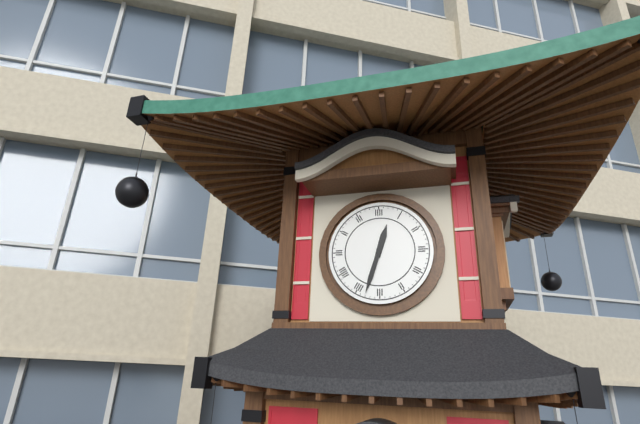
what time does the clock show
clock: 12:33
